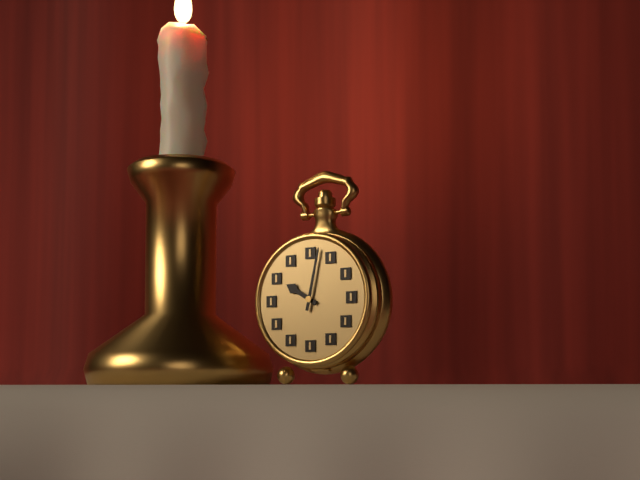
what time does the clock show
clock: 10:02
